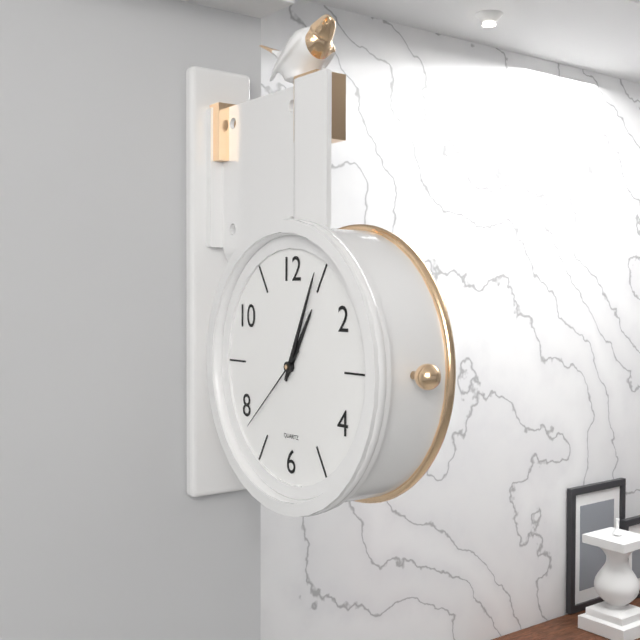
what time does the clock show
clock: 1:04:38
